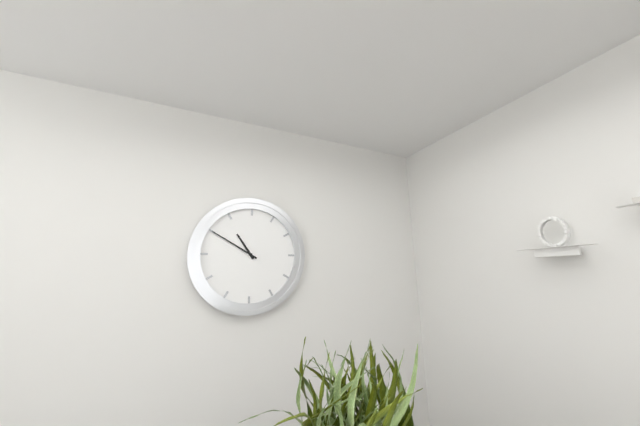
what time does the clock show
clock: 10:50
